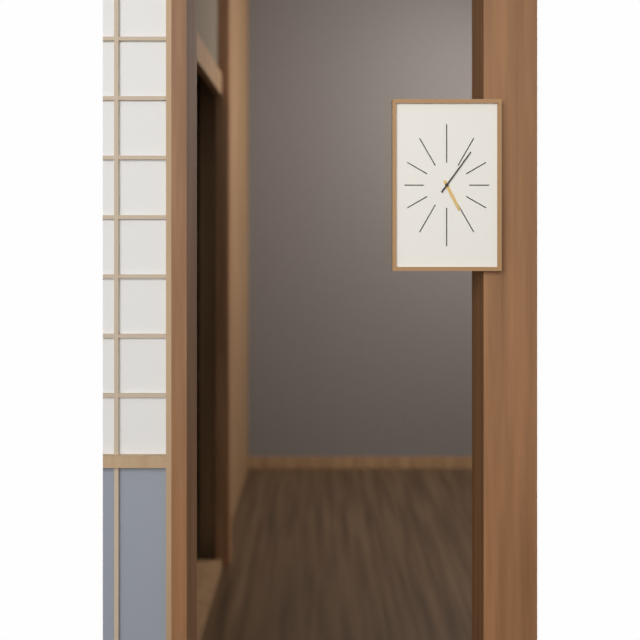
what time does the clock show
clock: 5:06
